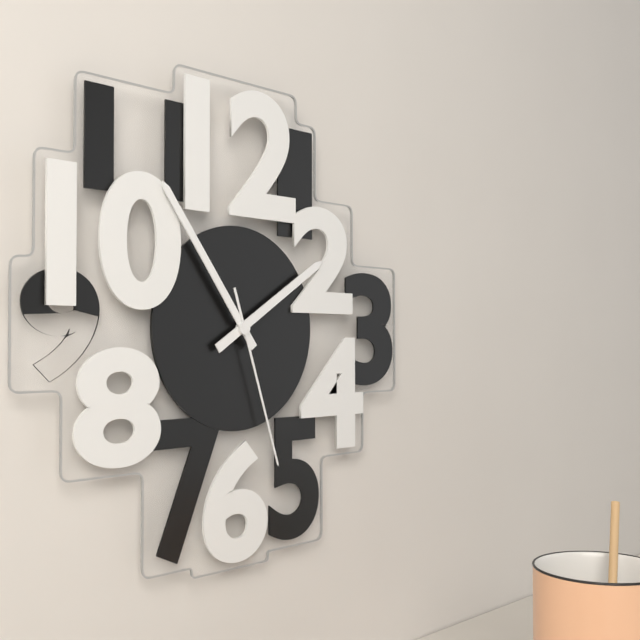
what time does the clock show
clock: 1:54:27
